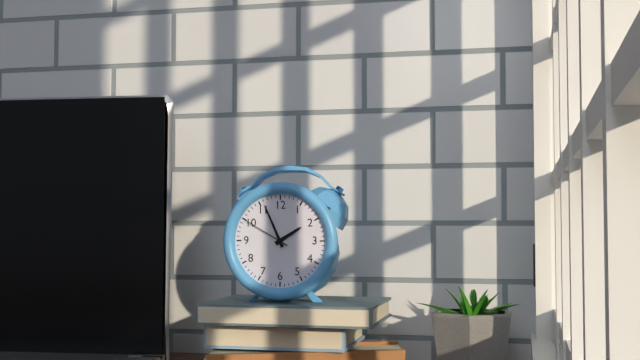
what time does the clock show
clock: 1:56:50
